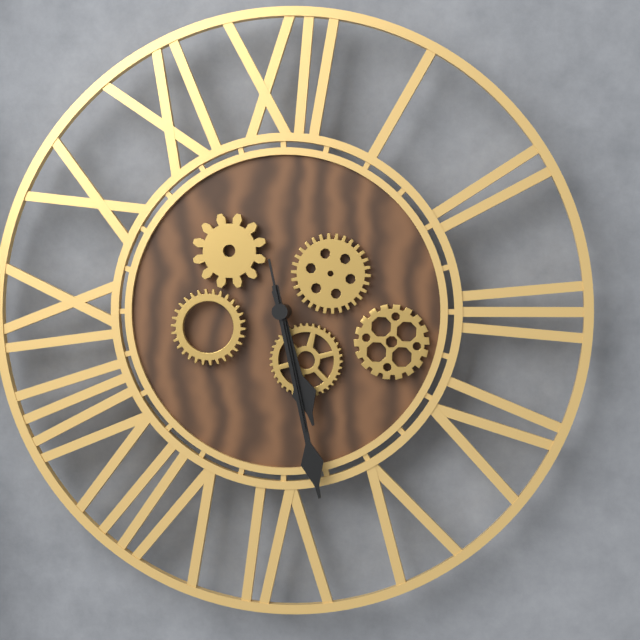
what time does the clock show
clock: 5:28:28
